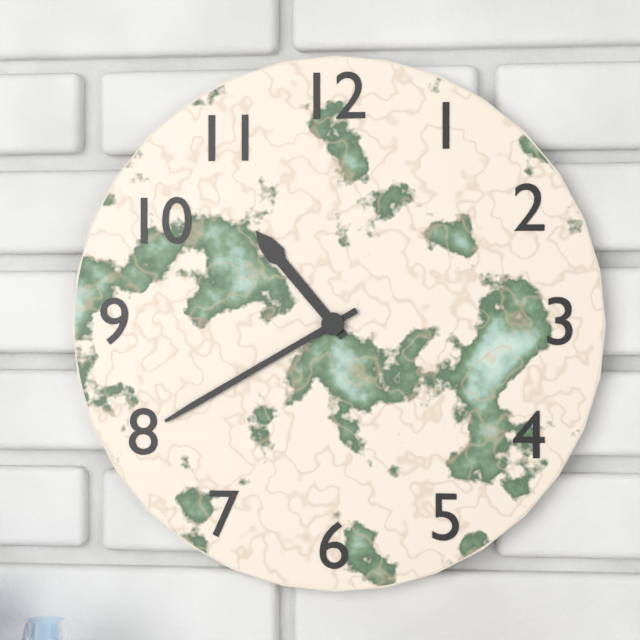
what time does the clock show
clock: 10:40
